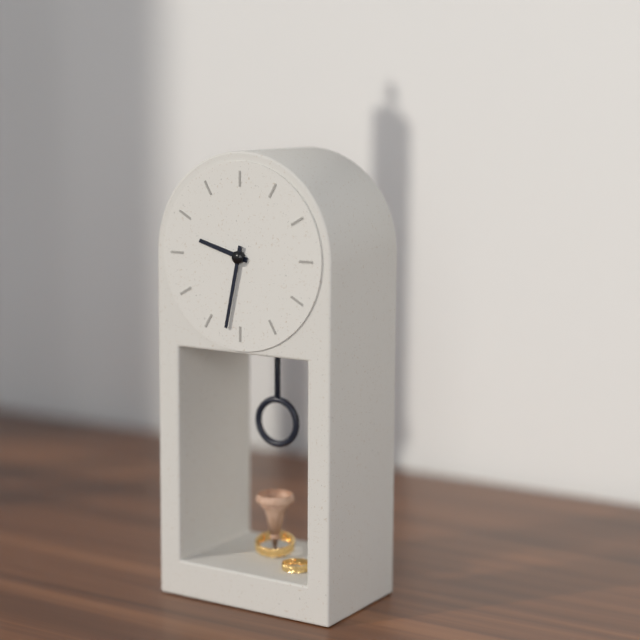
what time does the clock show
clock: 9:32
